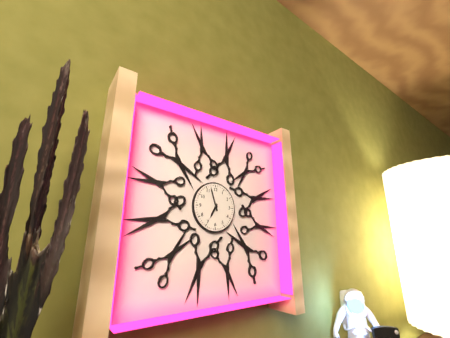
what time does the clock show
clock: 6:57
